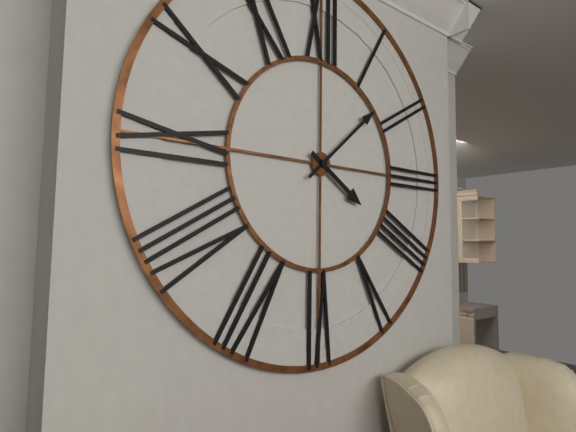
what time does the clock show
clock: 4:08
